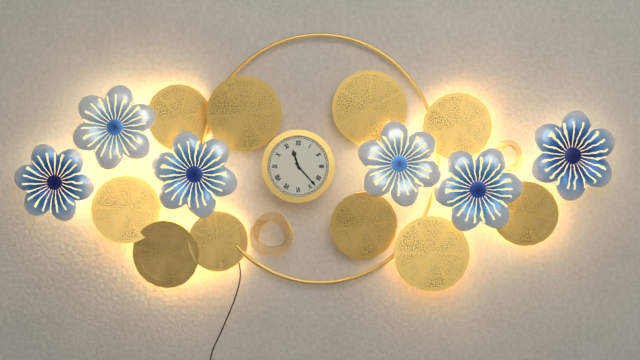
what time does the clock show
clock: 11:23
